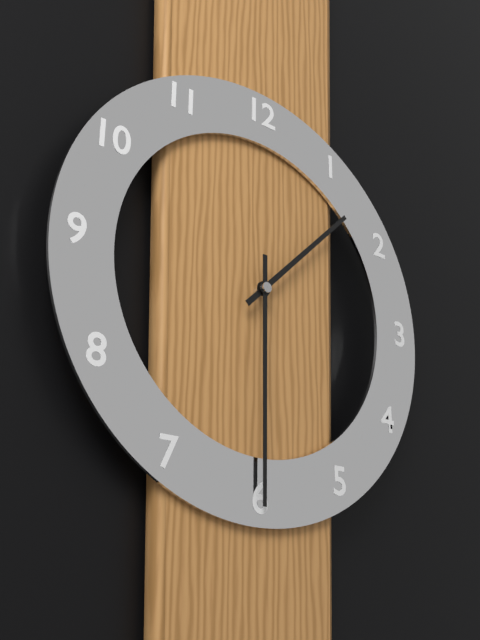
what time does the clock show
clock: 1:30
